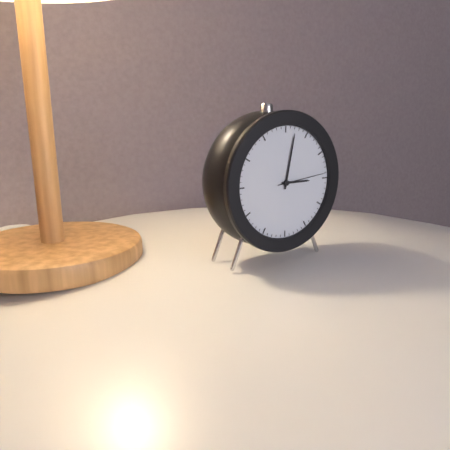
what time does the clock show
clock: 3:02:14
